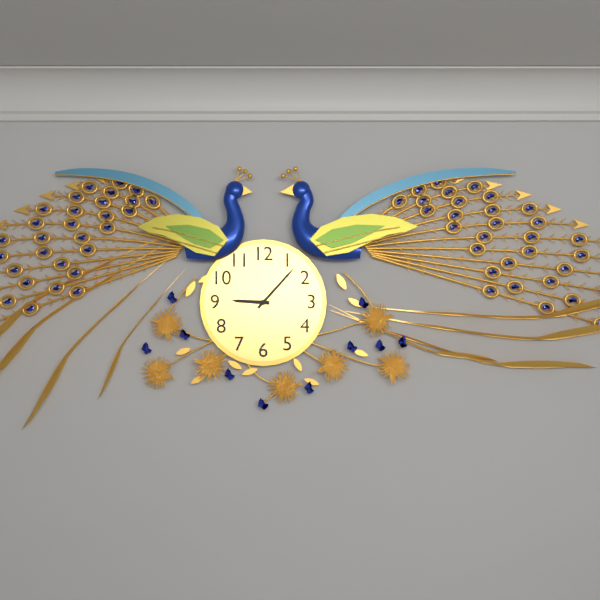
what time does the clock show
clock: 9:07
